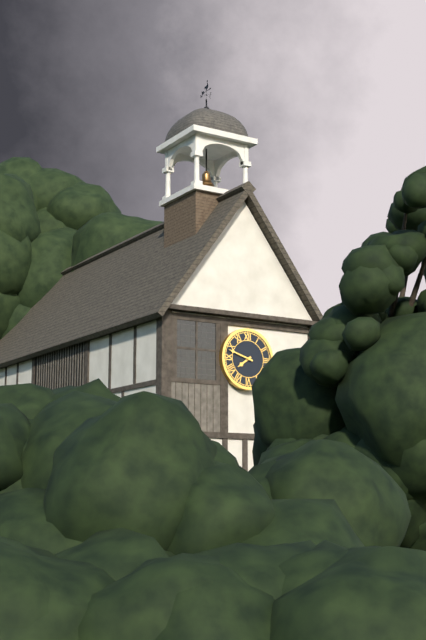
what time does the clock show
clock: 7:48
